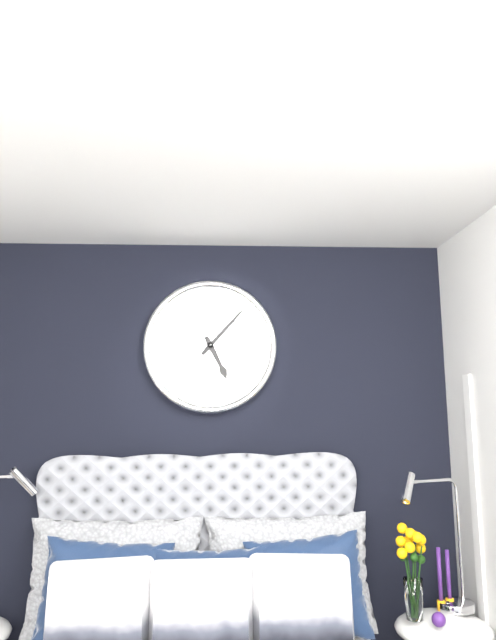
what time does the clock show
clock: 5:07
